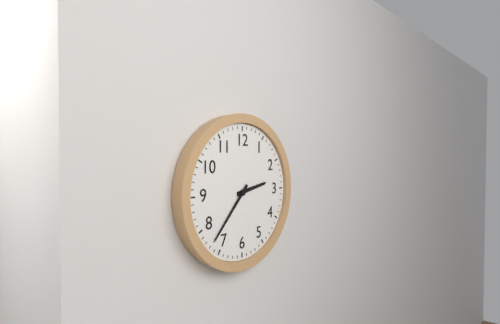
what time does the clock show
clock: 2:37
